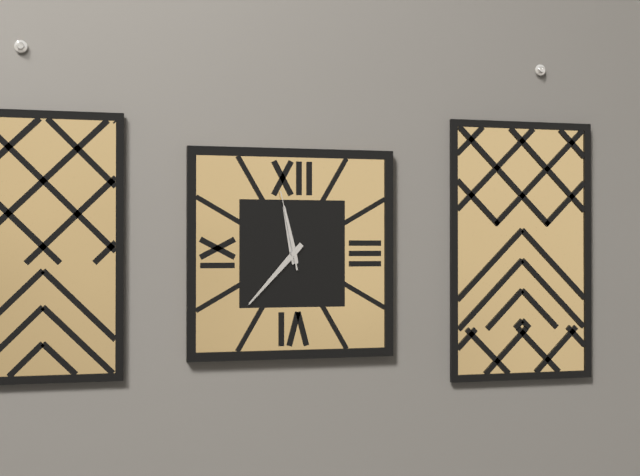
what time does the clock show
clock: 11:37:58
